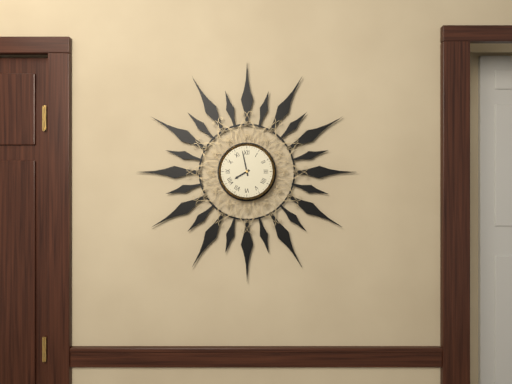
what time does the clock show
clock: 7:58
